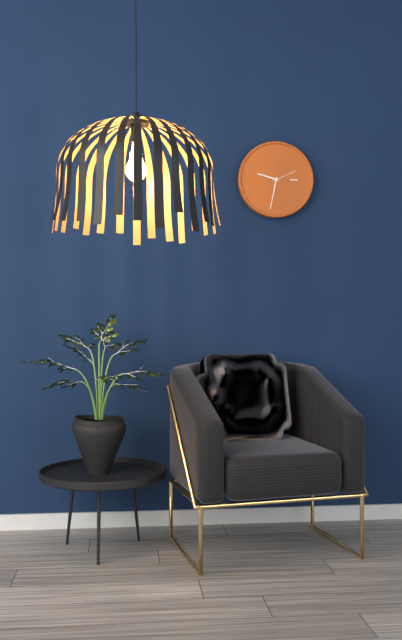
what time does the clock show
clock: 9:32
